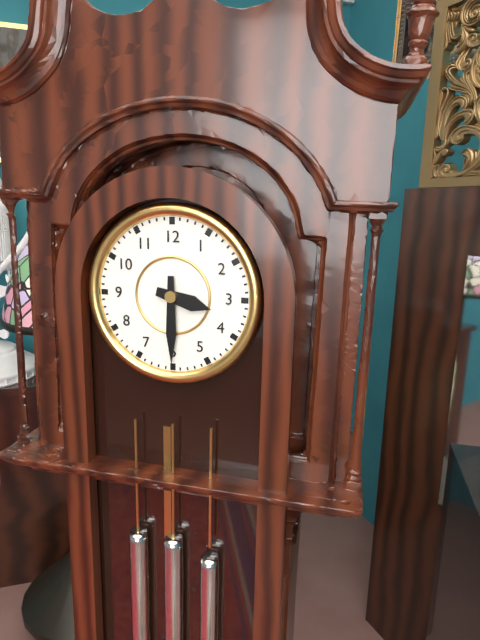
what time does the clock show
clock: 3:30
